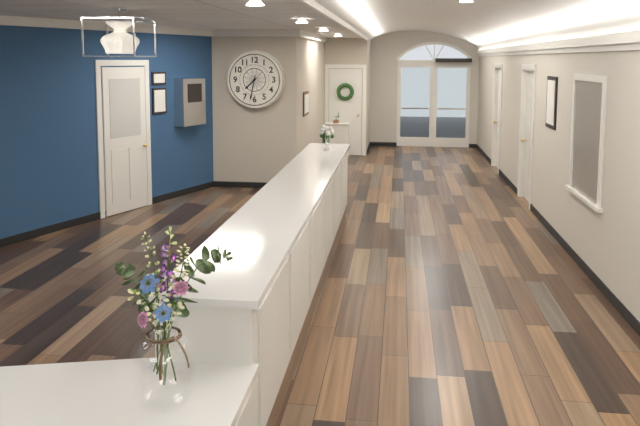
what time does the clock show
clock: 7:32
